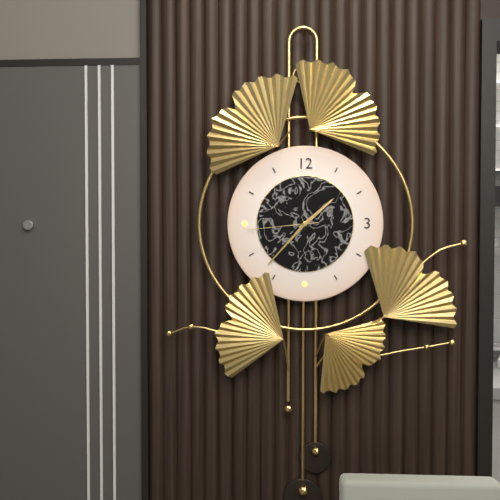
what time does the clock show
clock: 1:37:44
